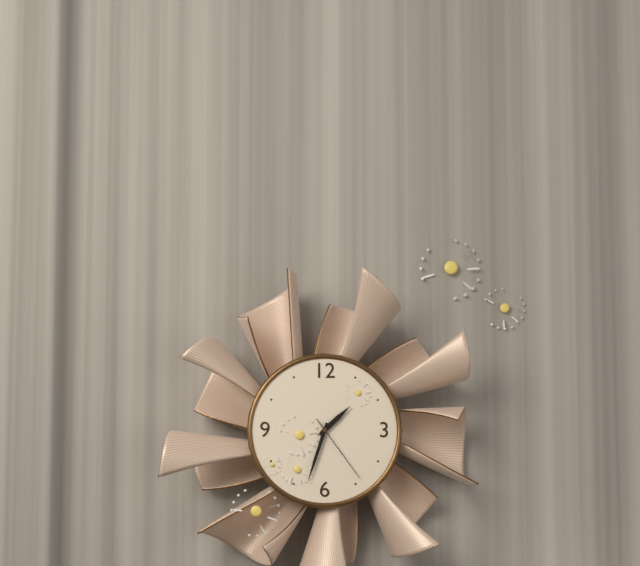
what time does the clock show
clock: 1:33:24
